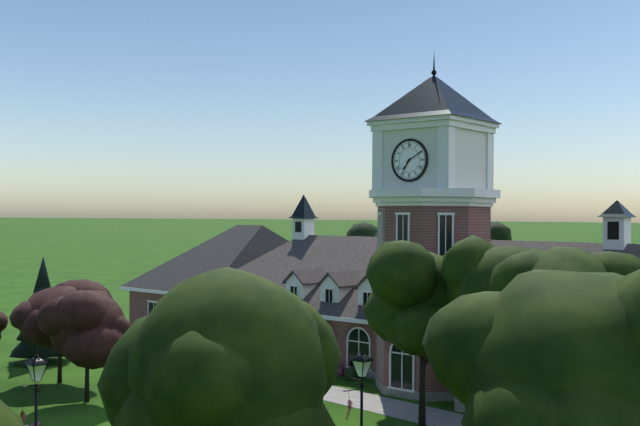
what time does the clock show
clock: 7:10
